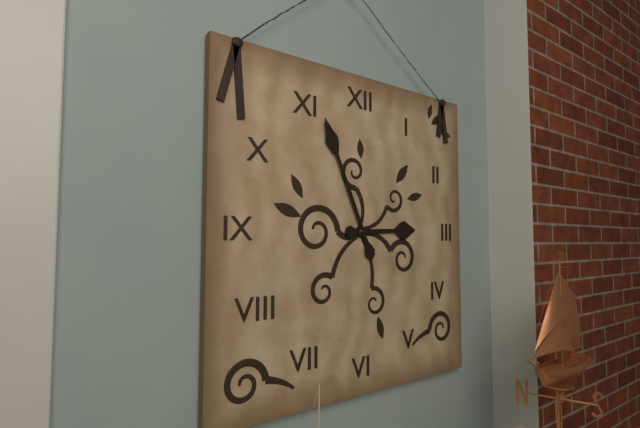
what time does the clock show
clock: 2:56
